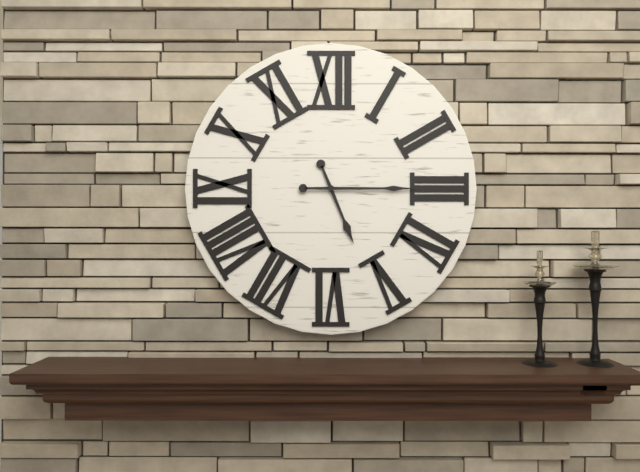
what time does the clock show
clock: 5:15
